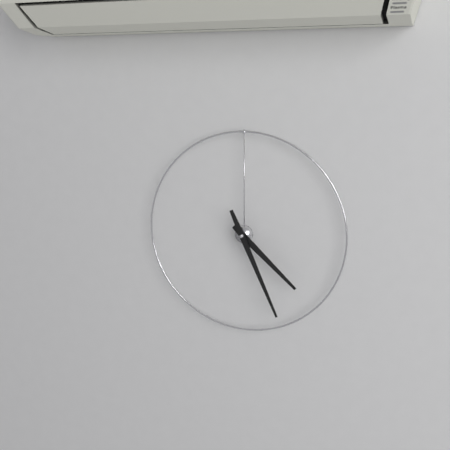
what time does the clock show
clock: 4:26
